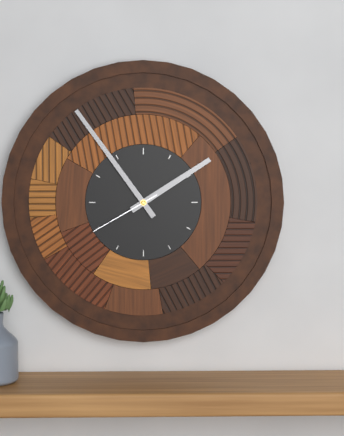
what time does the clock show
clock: 1:54:40
